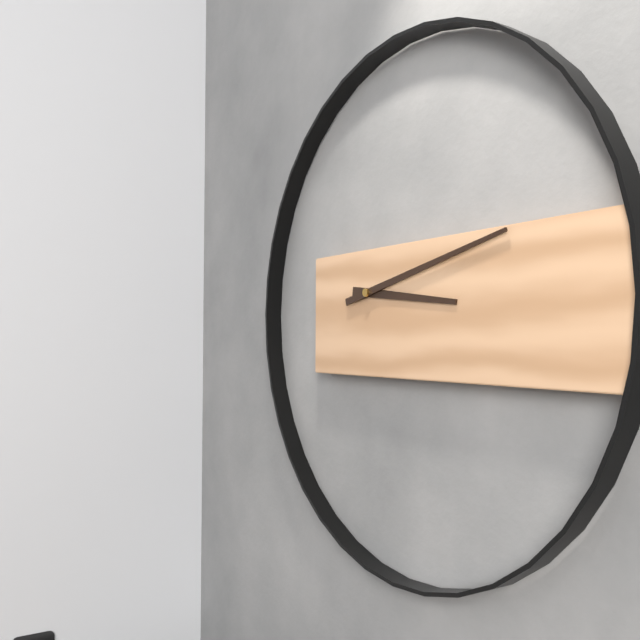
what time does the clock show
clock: 3:13
